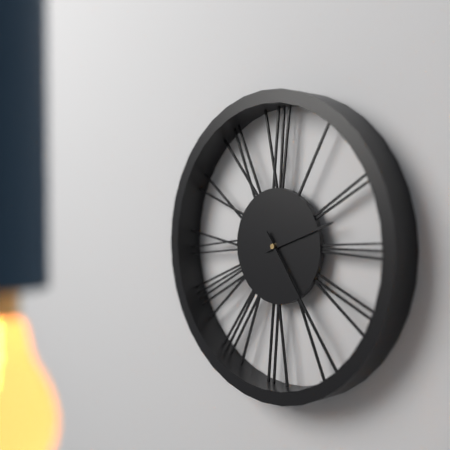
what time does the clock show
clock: 2:24
